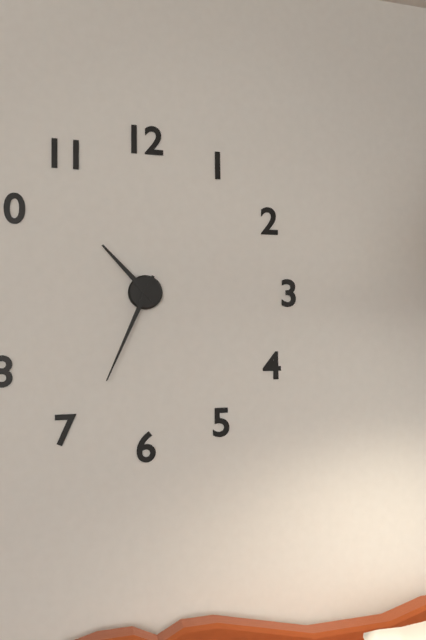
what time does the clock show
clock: 10:34
